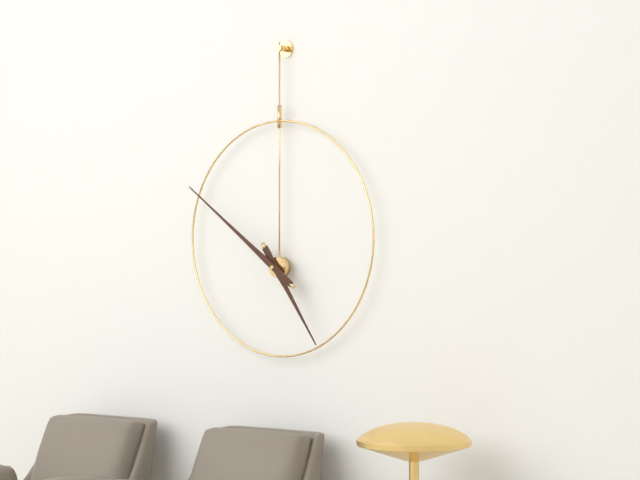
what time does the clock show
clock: 4:51
